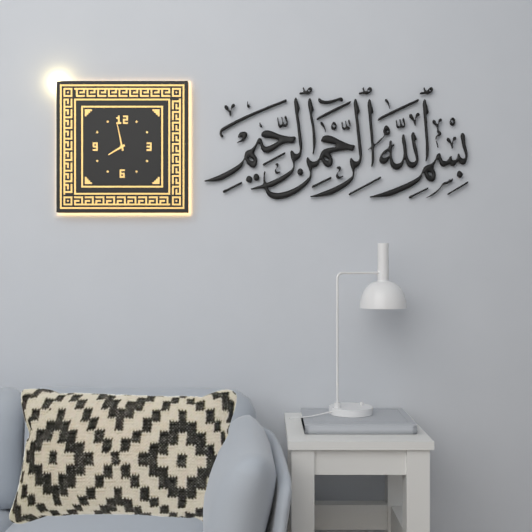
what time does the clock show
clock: 7:58
